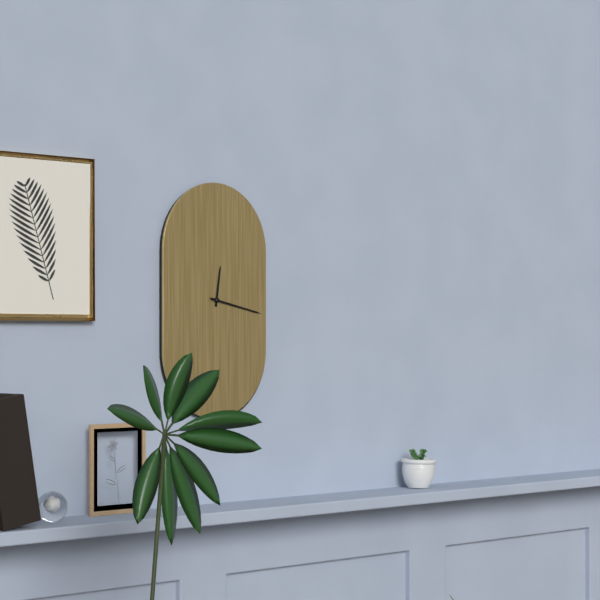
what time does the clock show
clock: 12:17
